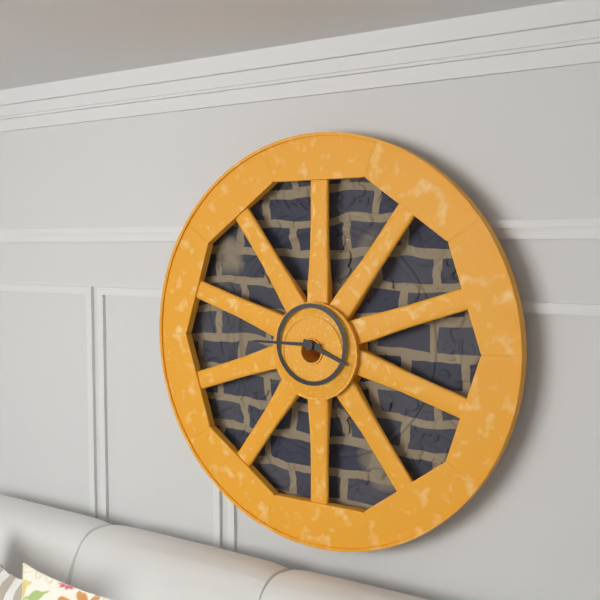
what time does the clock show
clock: 3:45
